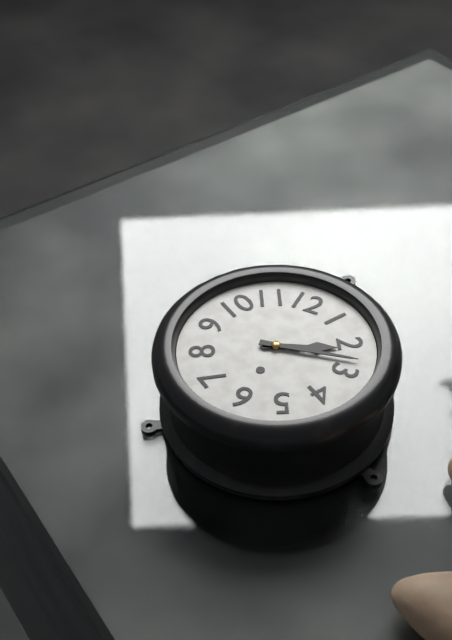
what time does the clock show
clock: 2:13
